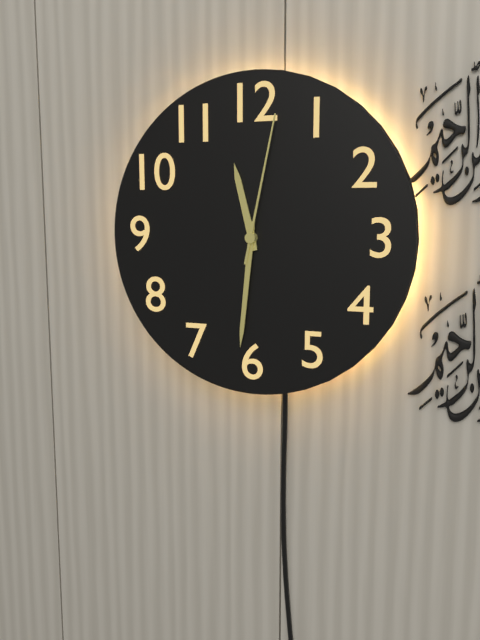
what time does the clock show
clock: 11:31:02
